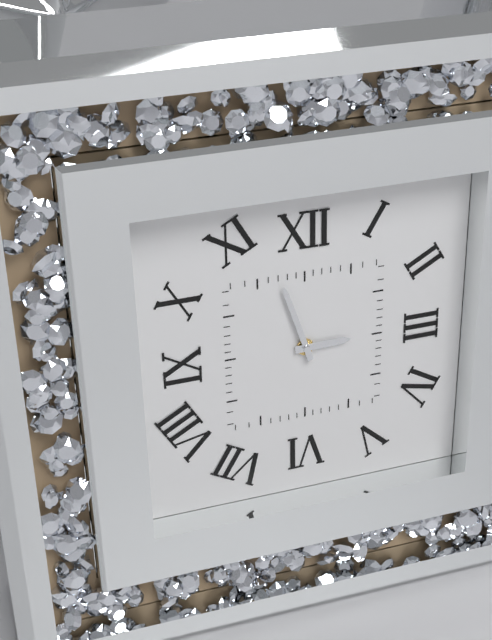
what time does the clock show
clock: 2:57
